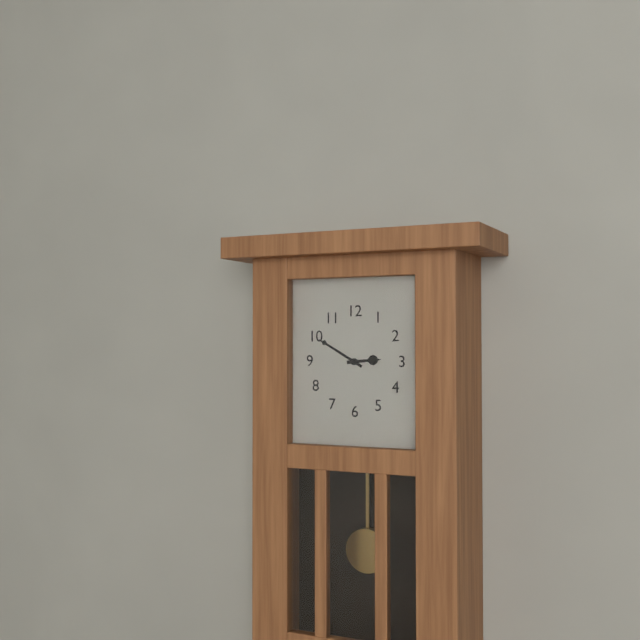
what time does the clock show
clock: 2:50
